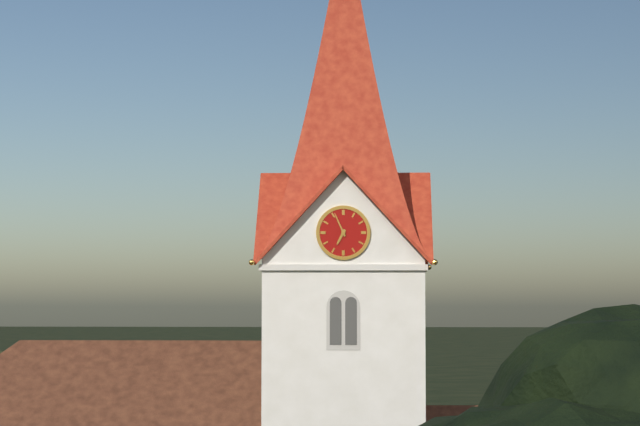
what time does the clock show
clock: 6:56
